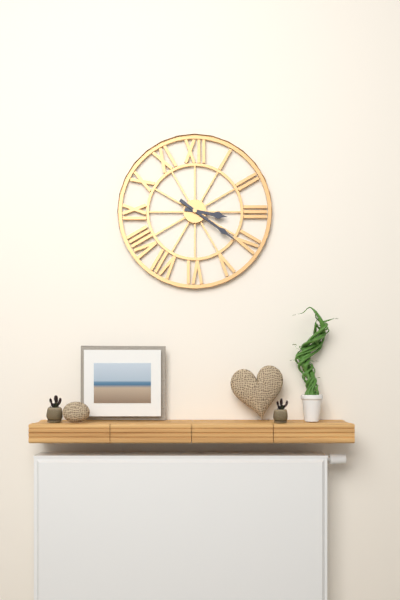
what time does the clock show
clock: 3:21
